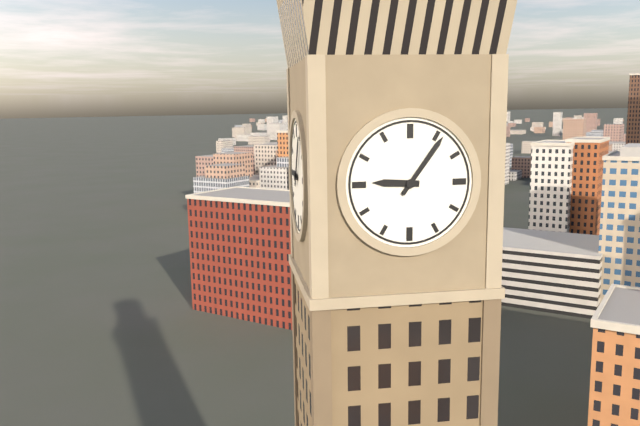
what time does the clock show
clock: 9:06
